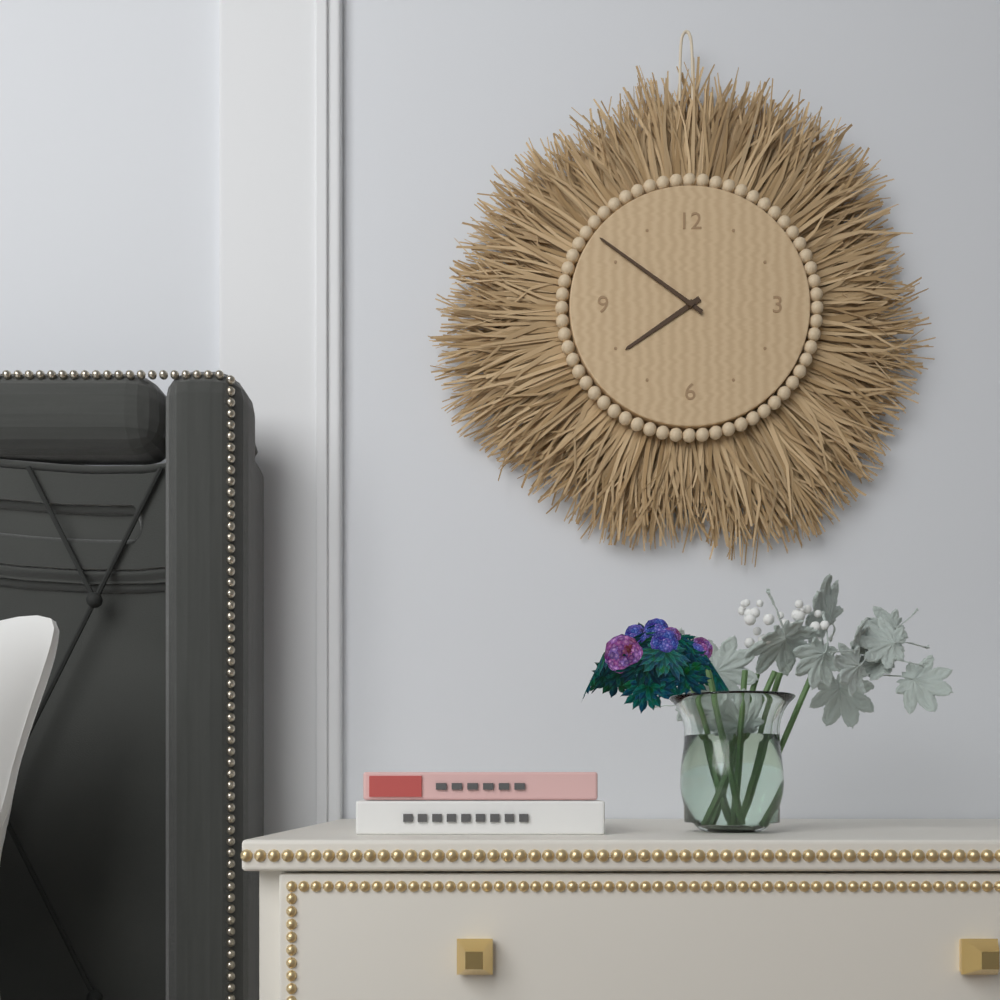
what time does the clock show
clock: 7:51
